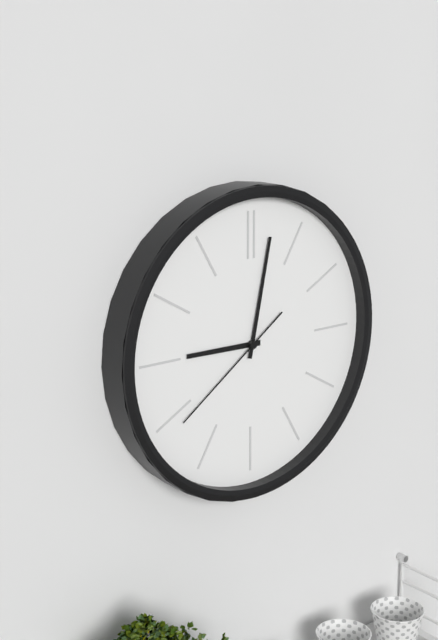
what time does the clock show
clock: 9:02:39
